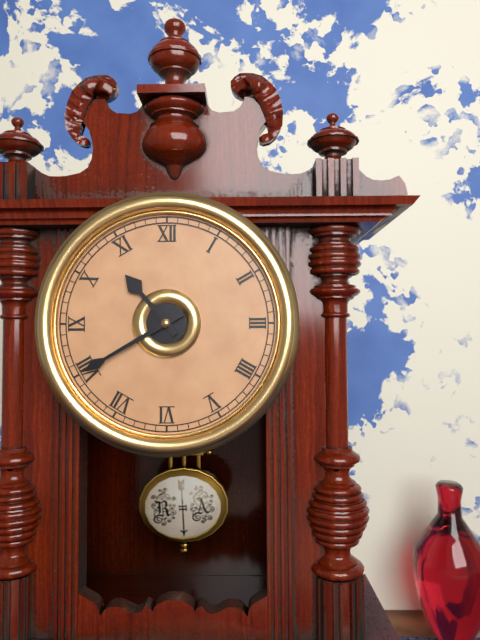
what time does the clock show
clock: 10:40
